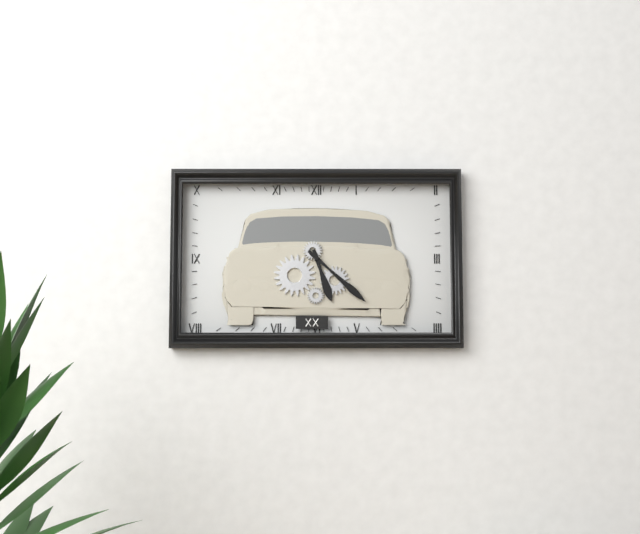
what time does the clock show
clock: 5:22
